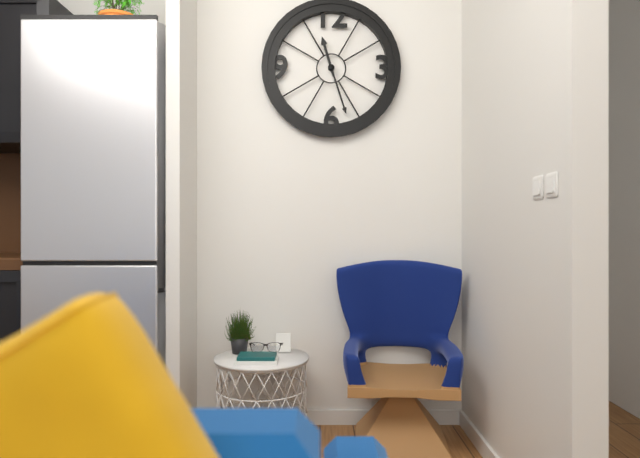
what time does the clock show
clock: 11:27
